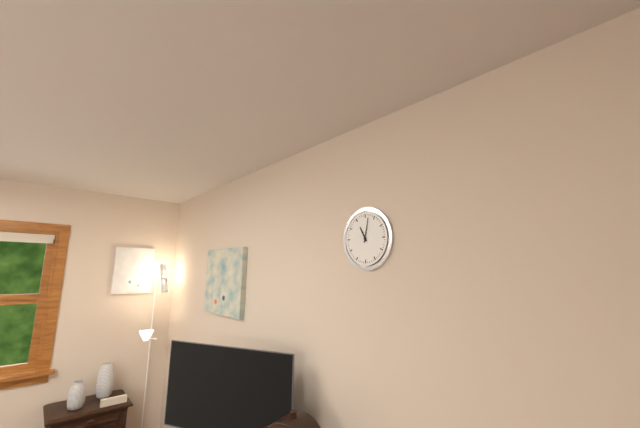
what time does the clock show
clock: 11:02
